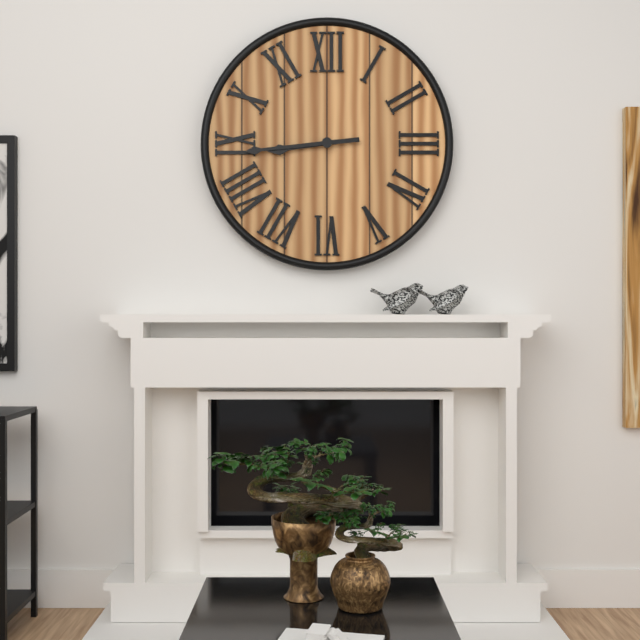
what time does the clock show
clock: 8:44
